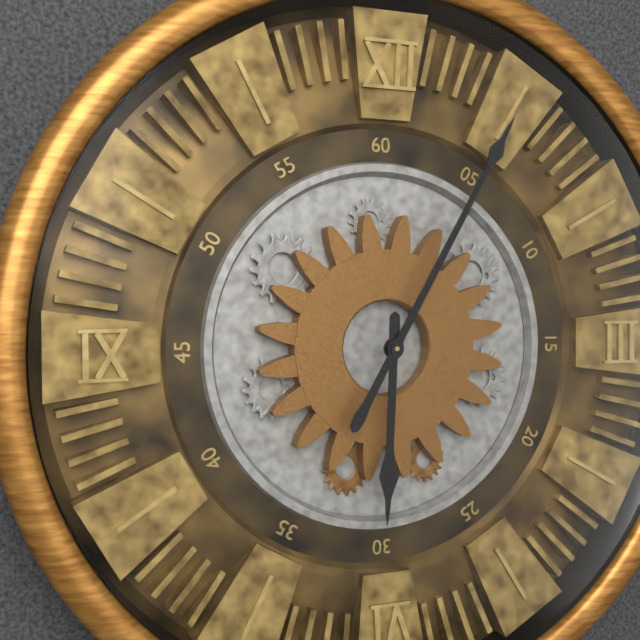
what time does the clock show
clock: 6:05
